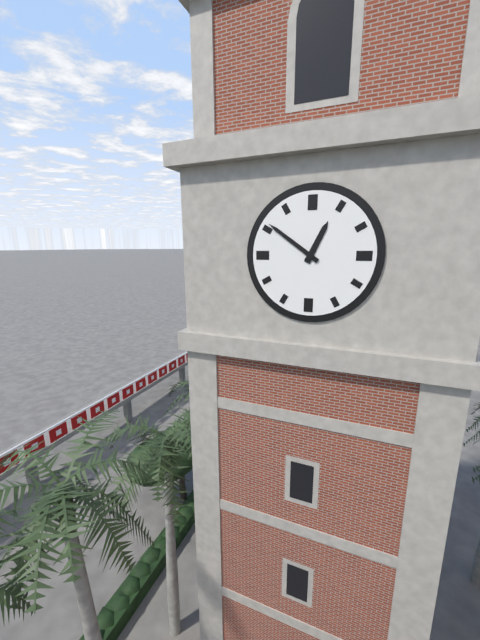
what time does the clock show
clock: 12:51
